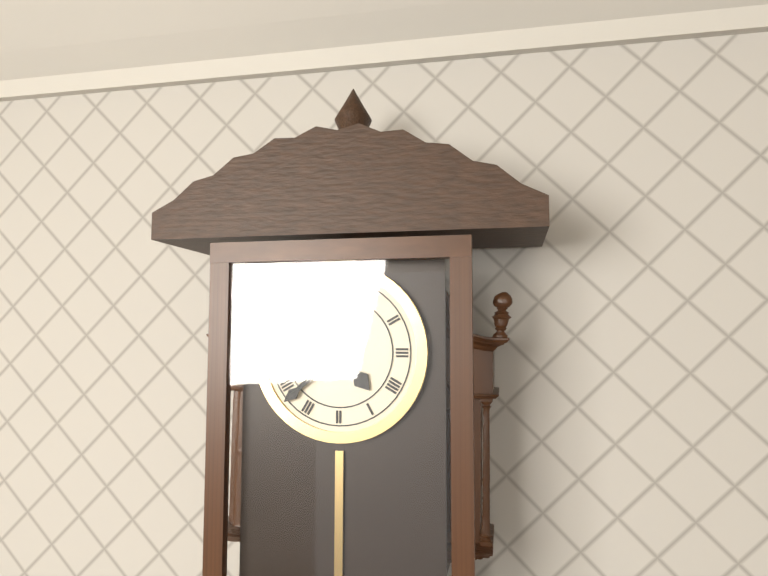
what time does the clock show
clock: 4:38
